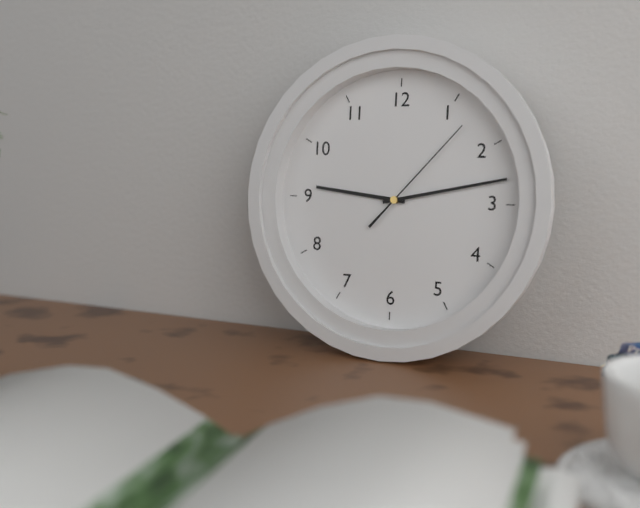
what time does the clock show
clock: 9:13:07
